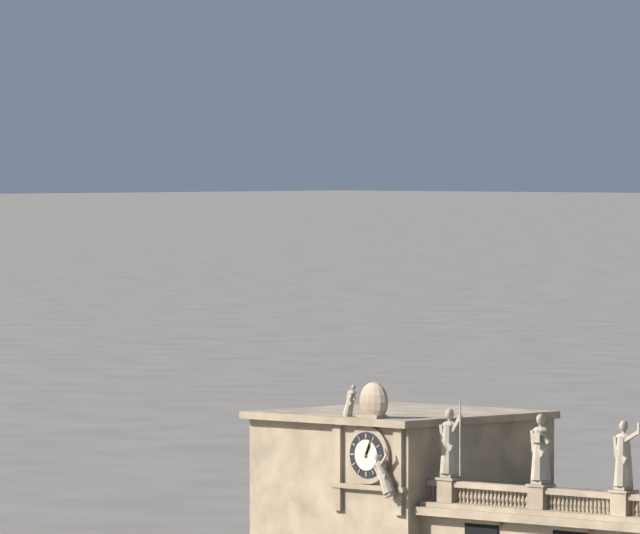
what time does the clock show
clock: 1:04
